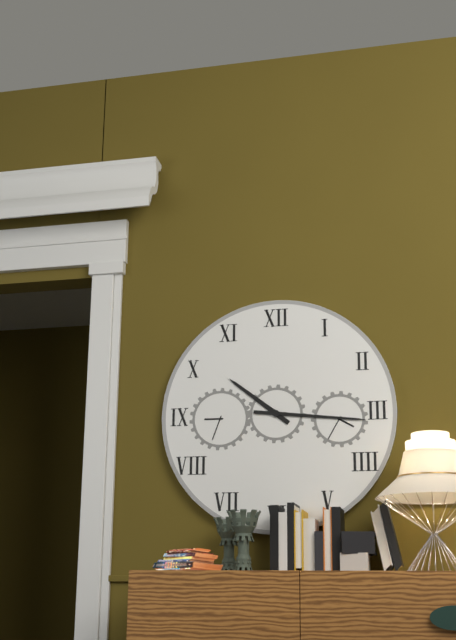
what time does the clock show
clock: 10:16
